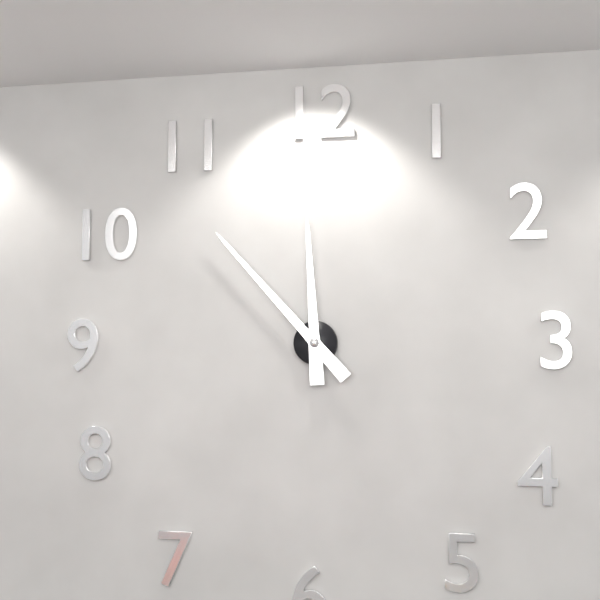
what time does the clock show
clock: 11:53
